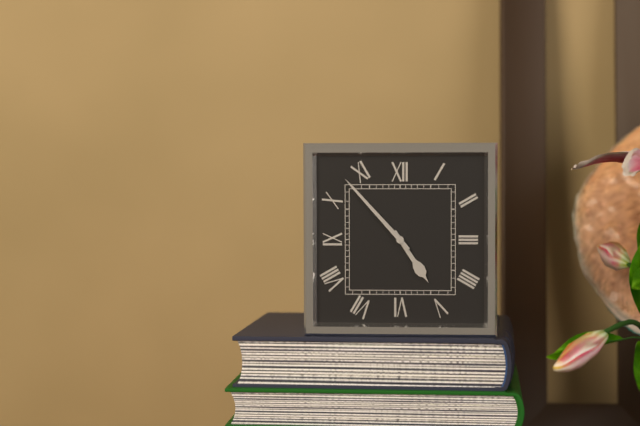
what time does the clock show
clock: 4:53
